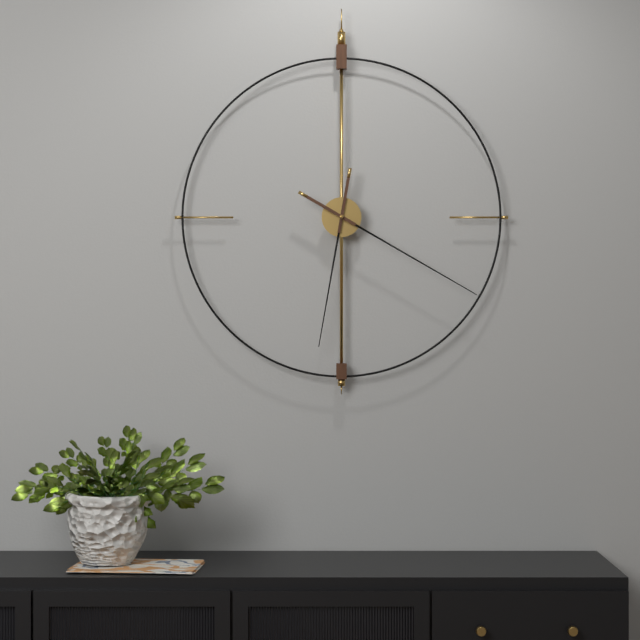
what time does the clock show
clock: 6:20
